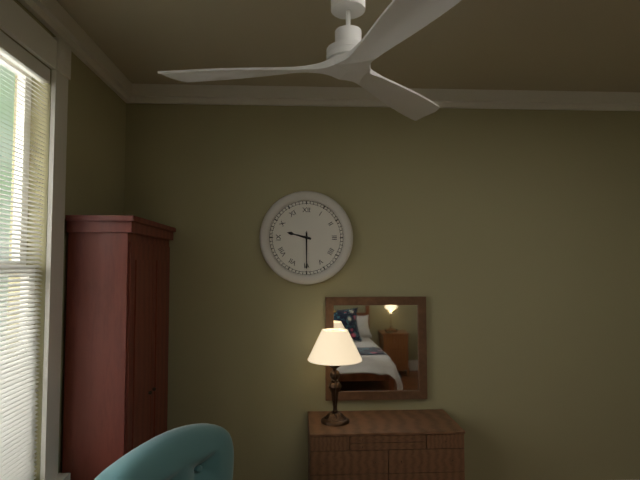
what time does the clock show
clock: 9:30
